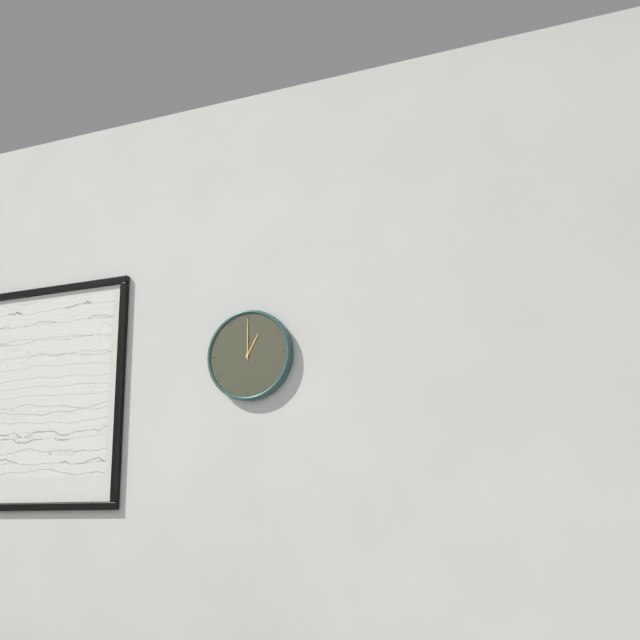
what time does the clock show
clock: 1:00
